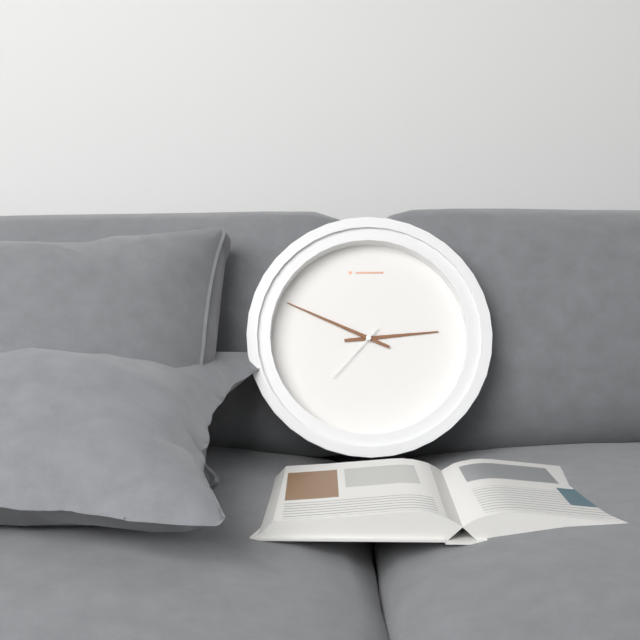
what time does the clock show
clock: 2:49:37
